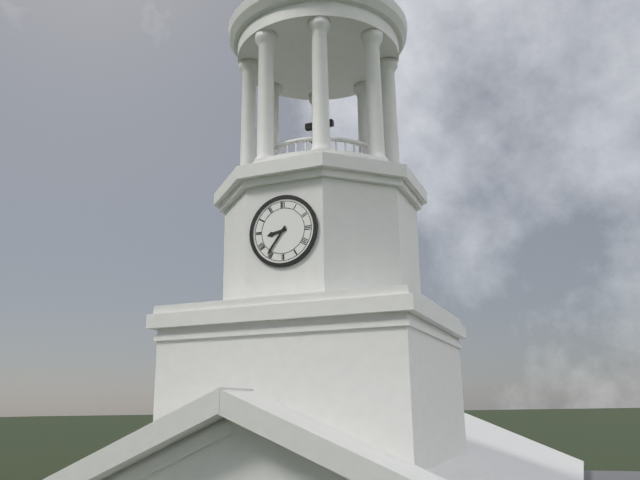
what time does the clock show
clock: 8:36
